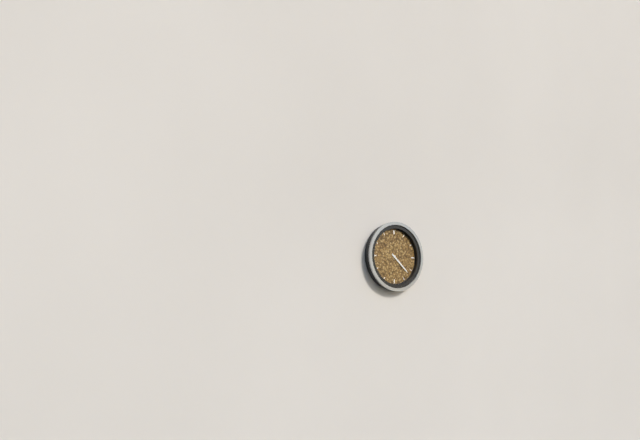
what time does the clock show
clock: 4:22
